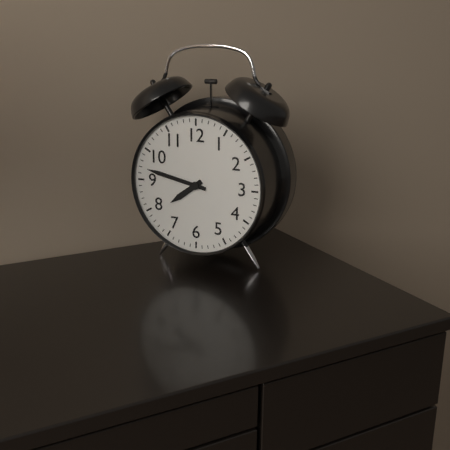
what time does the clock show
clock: 7:47
